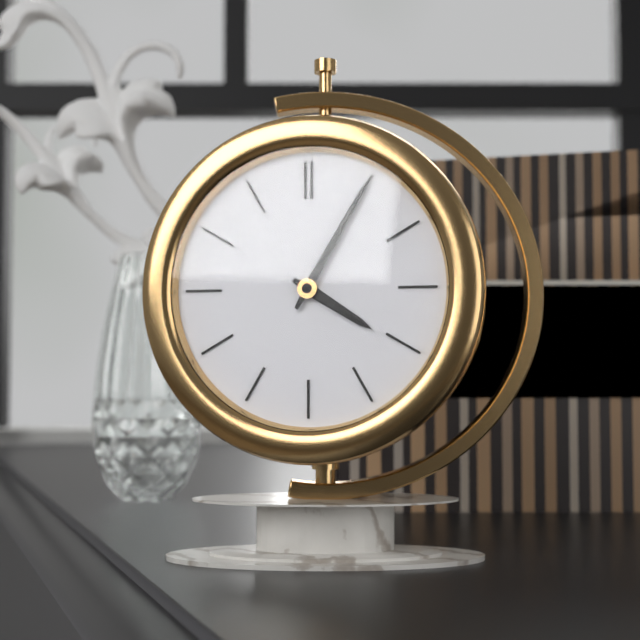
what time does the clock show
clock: 4:05
